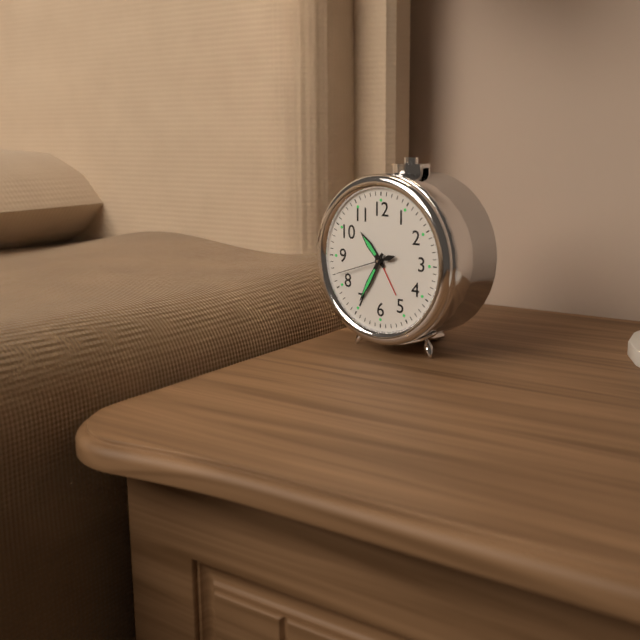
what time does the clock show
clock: 10:35:42
